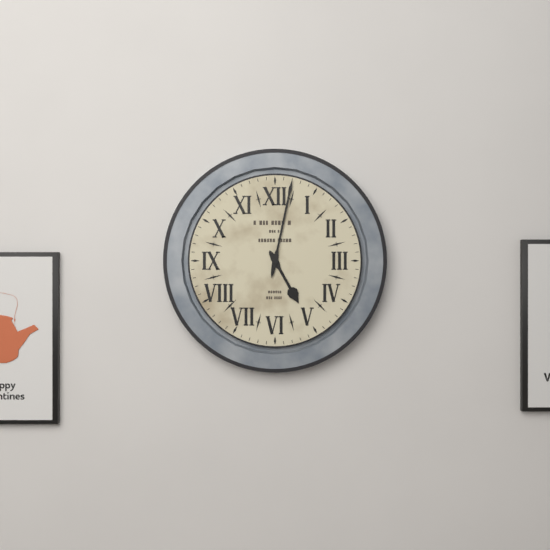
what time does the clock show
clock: 5:02
